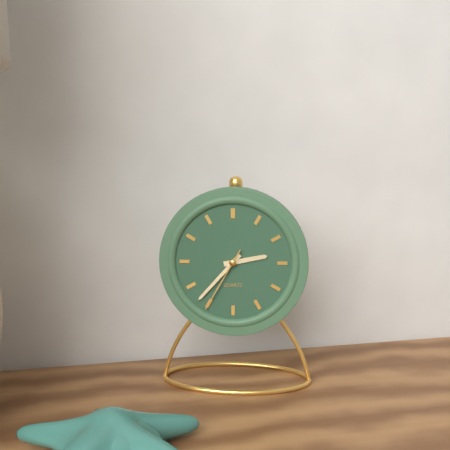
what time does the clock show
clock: 2:37:35
